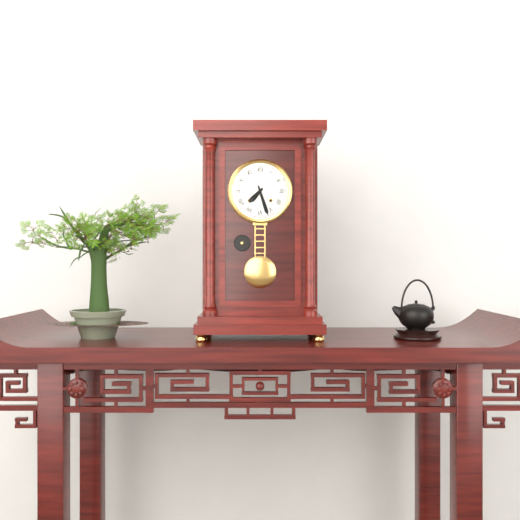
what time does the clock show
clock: 7:27
